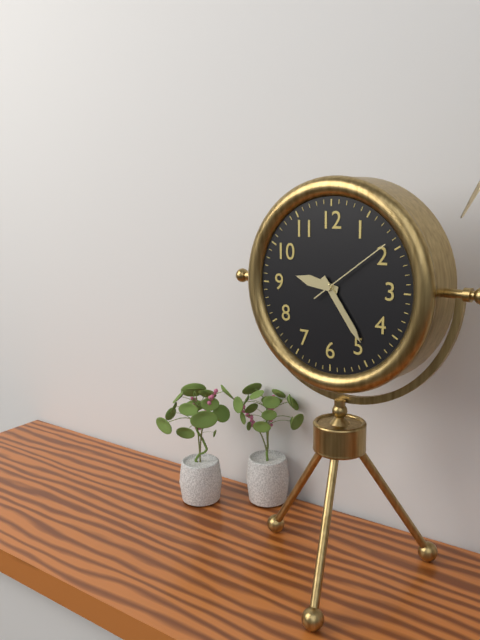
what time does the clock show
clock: 9:24:09
